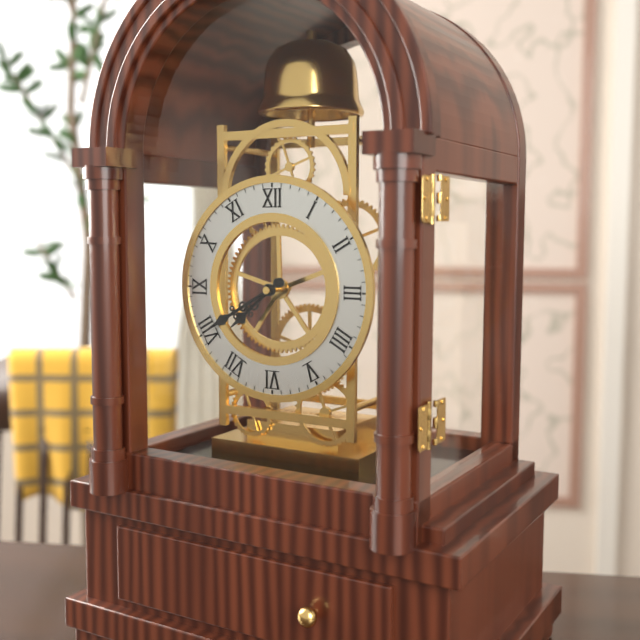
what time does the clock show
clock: 7:40
